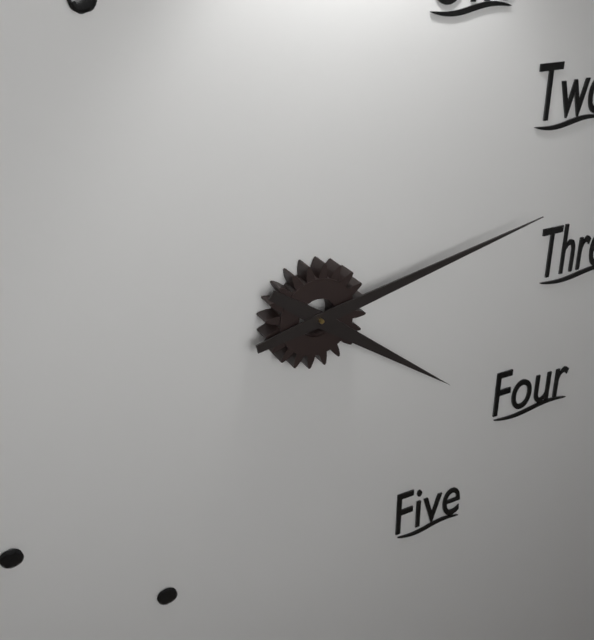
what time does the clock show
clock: 4:13
